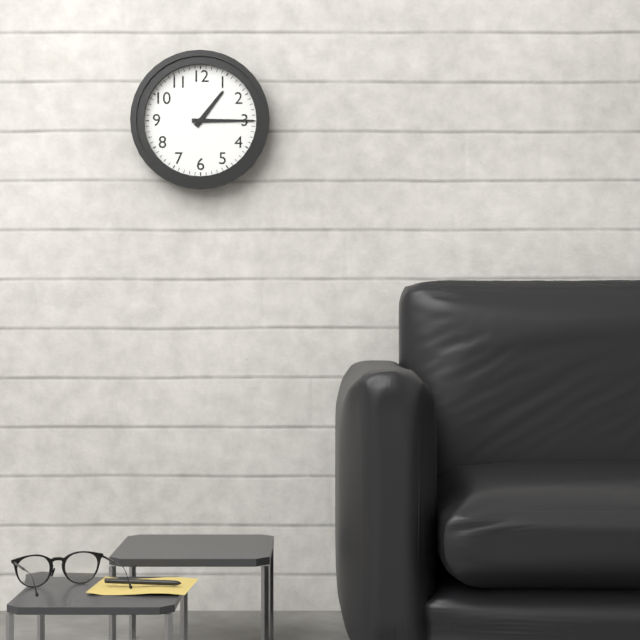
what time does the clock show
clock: 1:15
